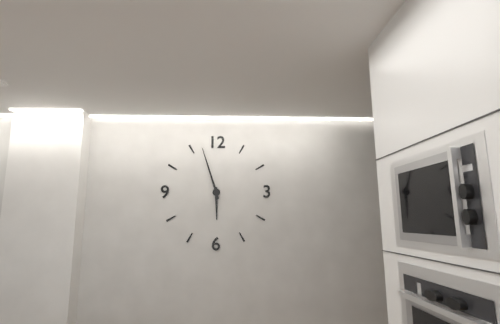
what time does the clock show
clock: 5:57
